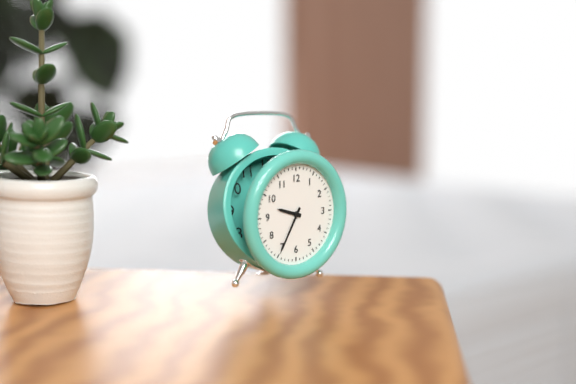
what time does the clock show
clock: 9:35
